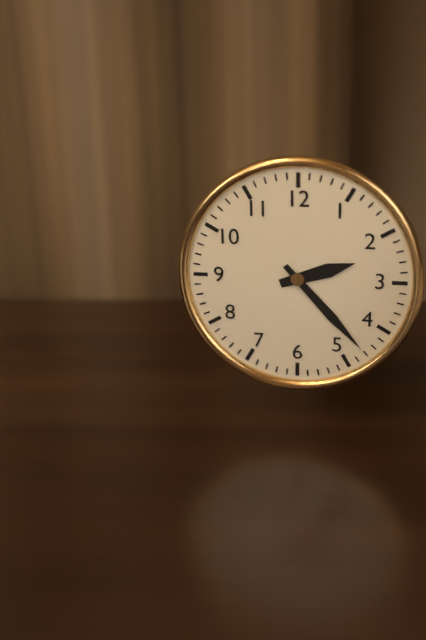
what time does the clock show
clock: 2:23
